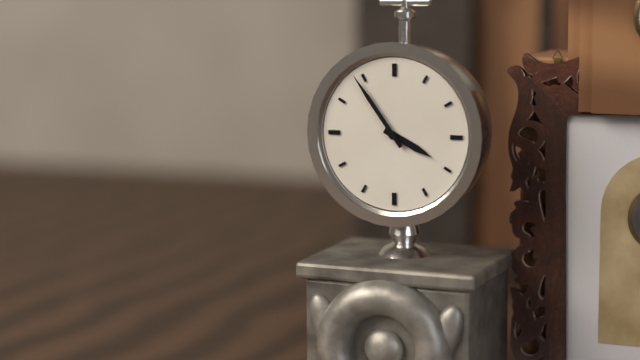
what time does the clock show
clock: 3:54
